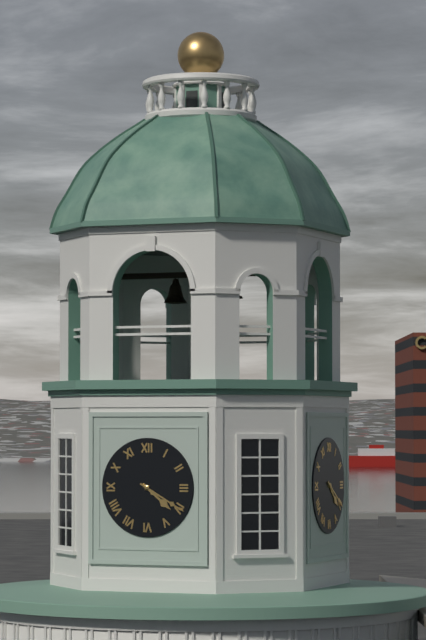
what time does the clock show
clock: 4:20
